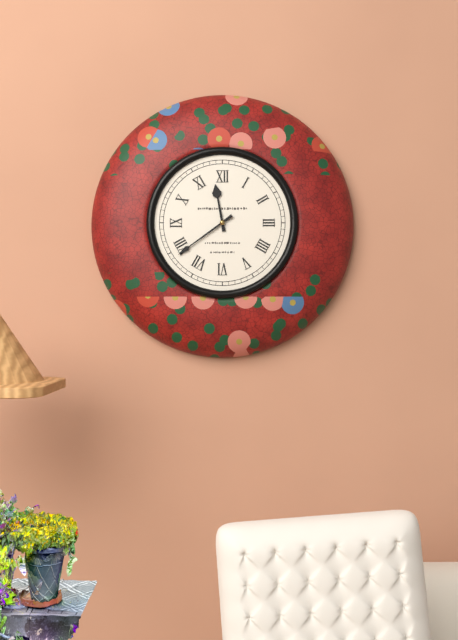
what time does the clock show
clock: 11:39
